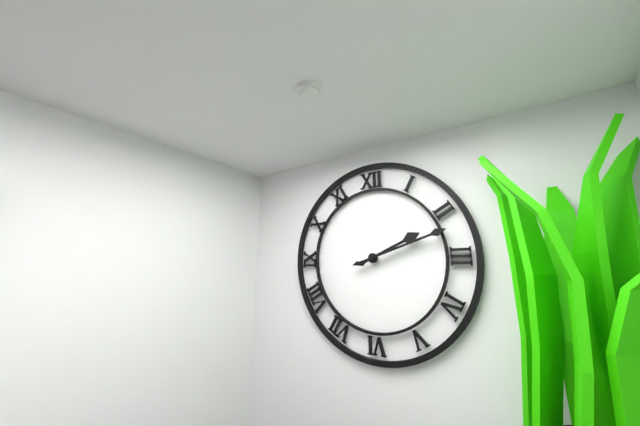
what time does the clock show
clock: 2:12
